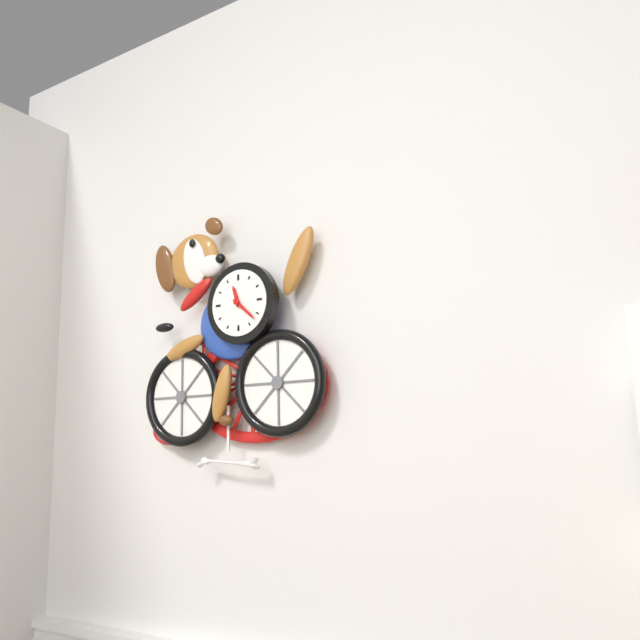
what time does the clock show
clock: 11:22
